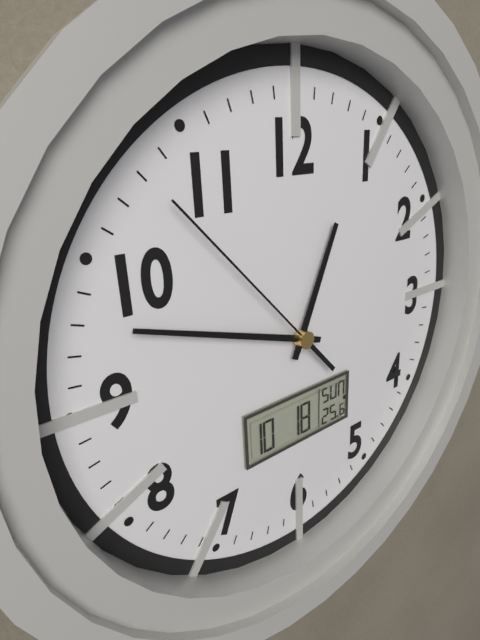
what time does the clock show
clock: 12:48:53
